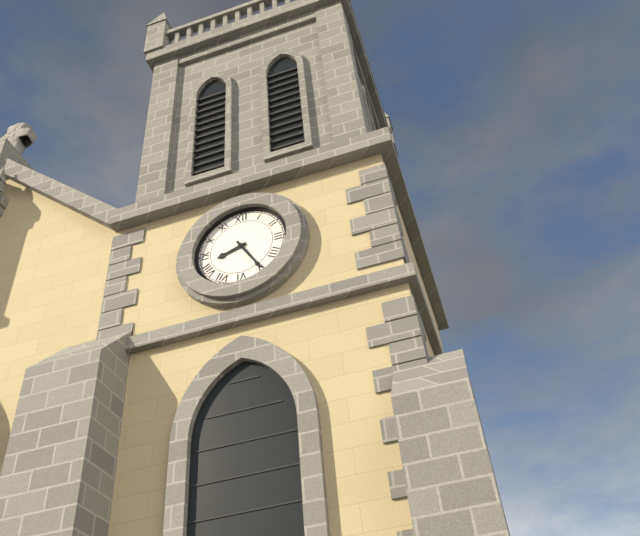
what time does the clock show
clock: 8:25
